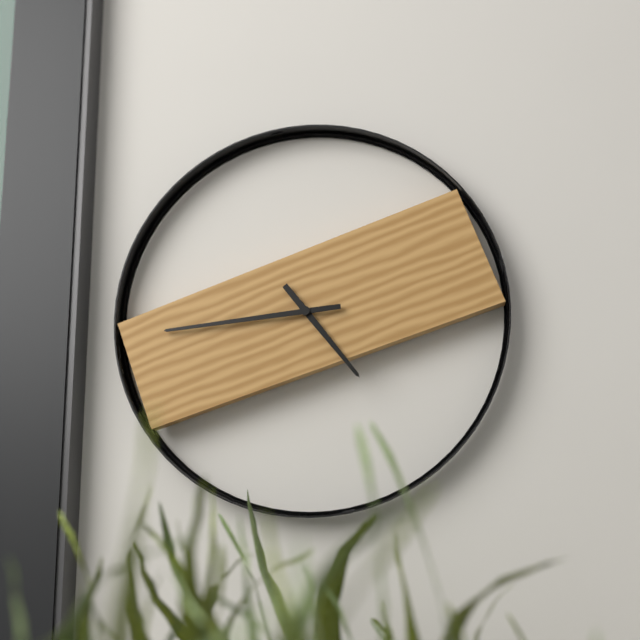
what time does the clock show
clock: 4:44
